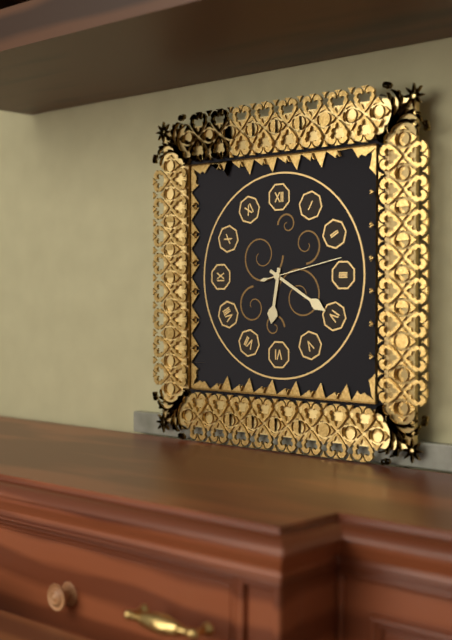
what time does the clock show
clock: 6:20:13
